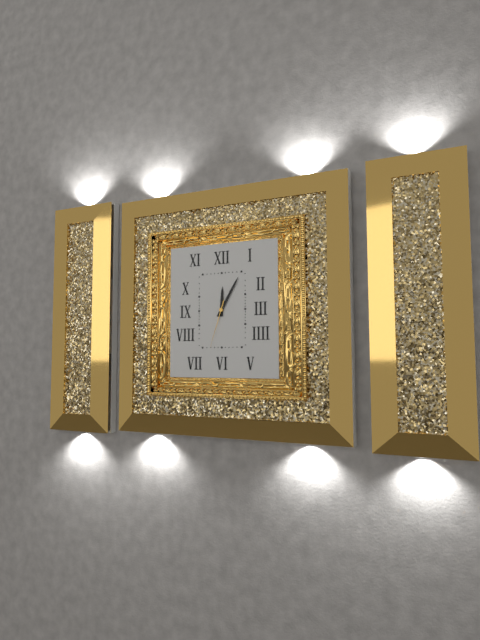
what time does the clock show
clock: 12:05:33
